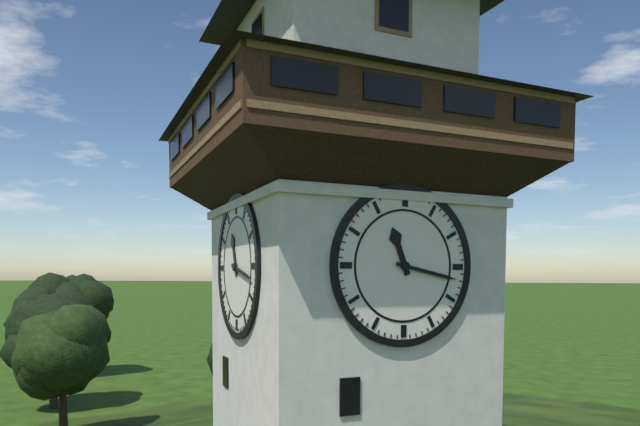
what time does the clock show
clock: 11:17
